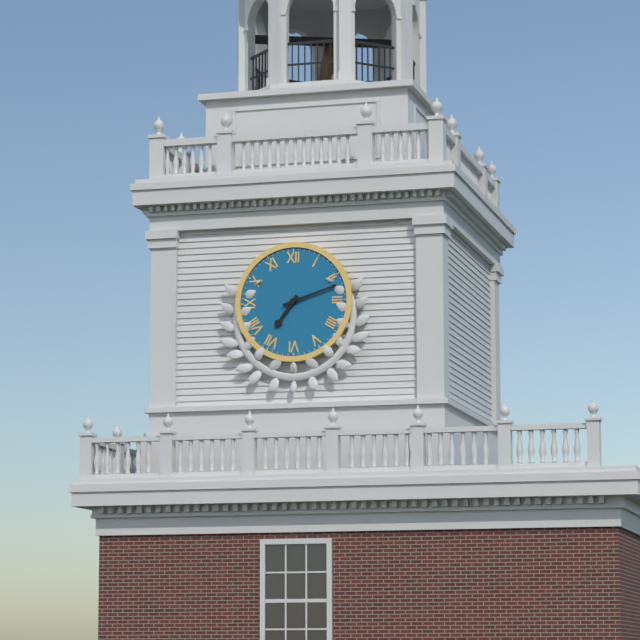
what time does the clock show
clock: 7:12
